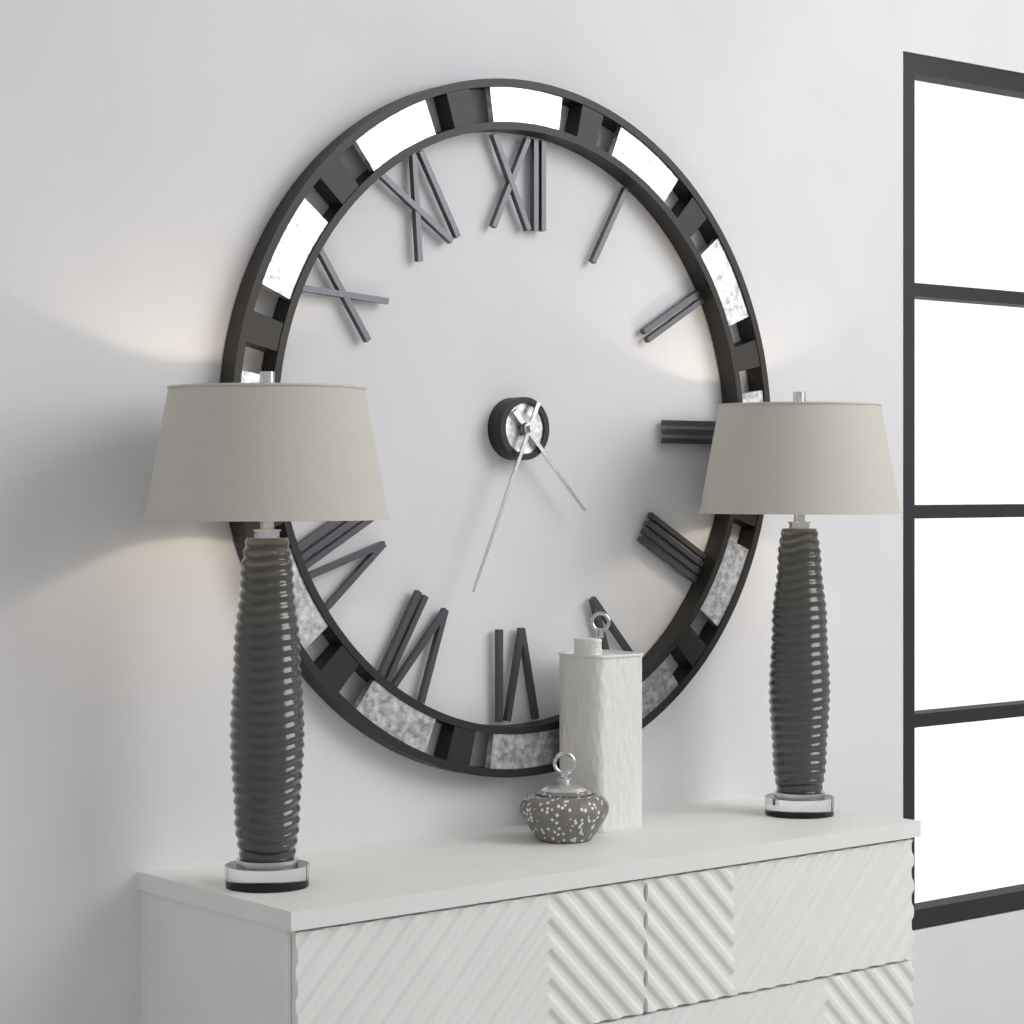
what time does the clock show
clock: 4:34
